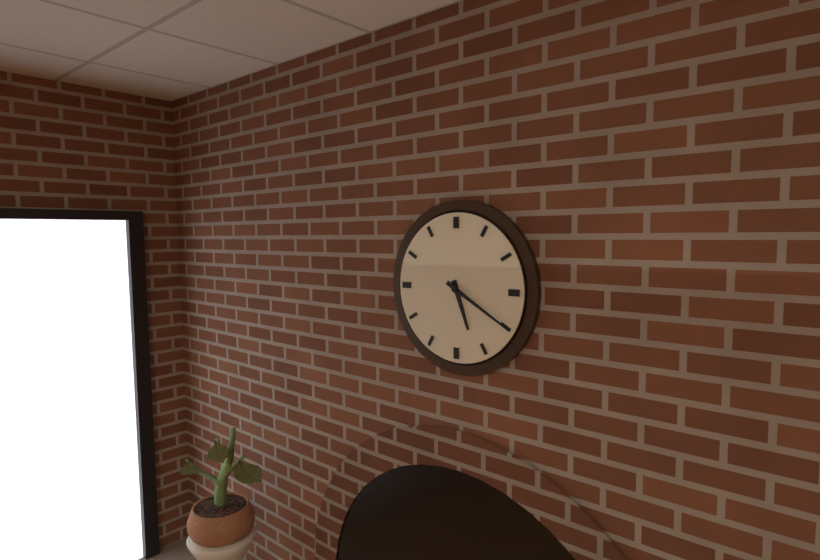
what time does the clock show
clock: 5:20
